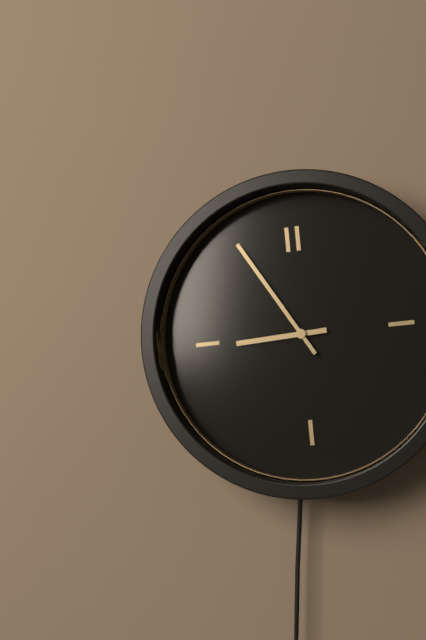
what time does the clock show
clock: 8:55
